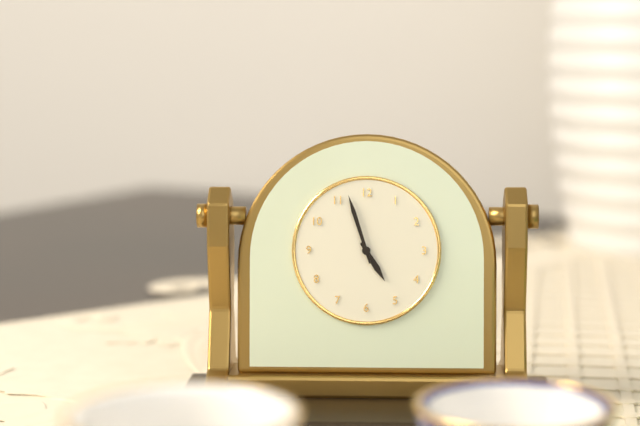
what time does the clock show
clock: 4:57
